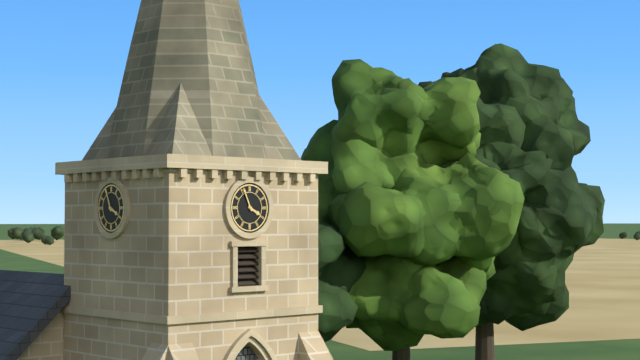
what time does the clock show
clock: 3:56
